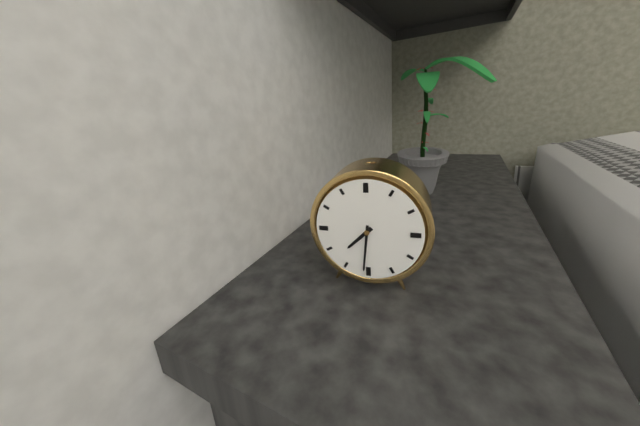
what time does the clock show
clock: 7:31
